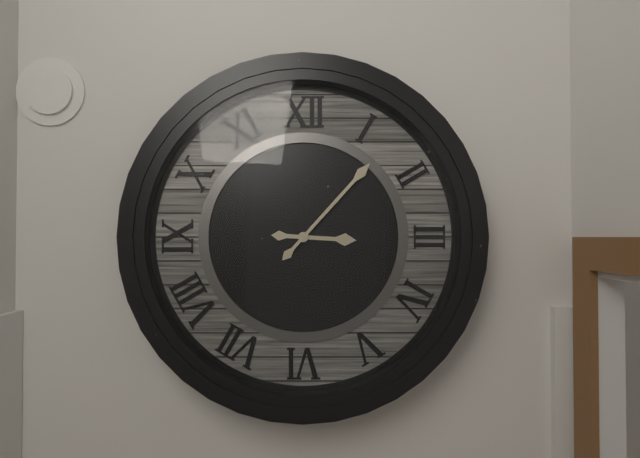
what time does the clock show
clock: 3:07
